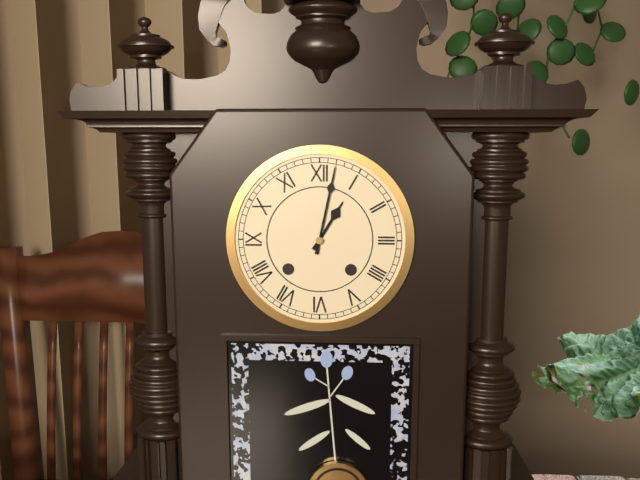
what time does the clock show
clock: 1:02
